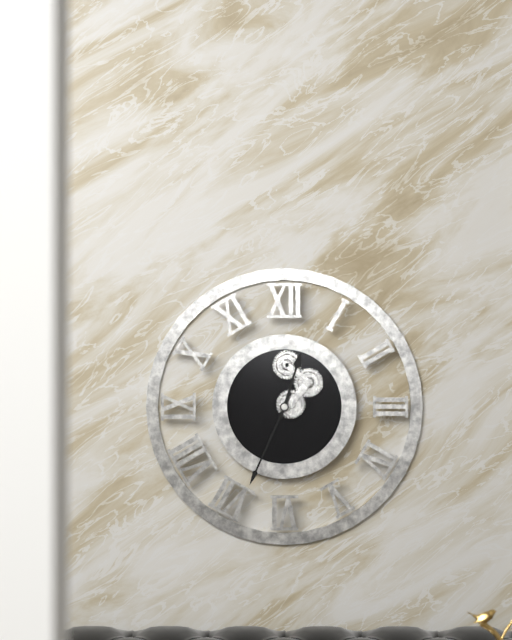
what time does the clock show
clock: 12:34
